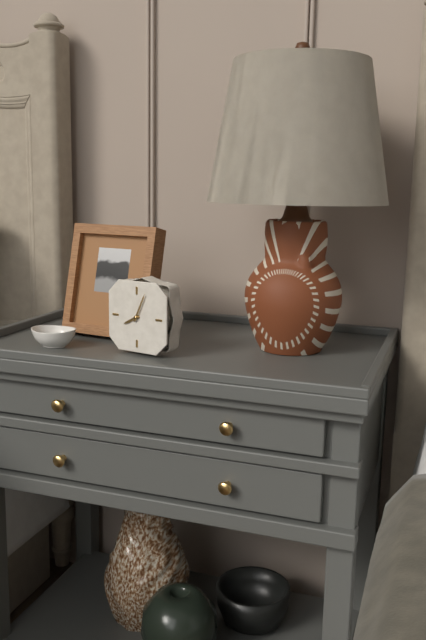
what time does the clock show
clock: 8:04
